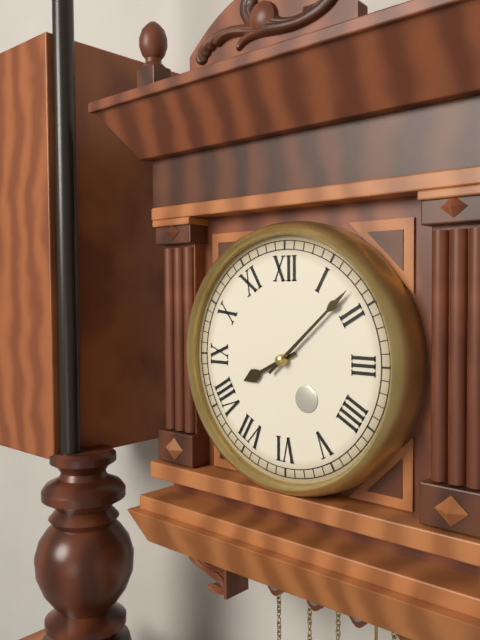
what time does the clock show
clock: 8:08
